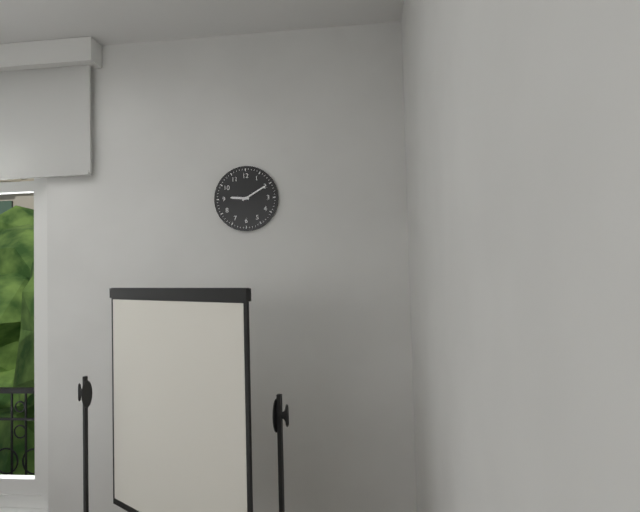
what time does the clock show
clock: 9:10
